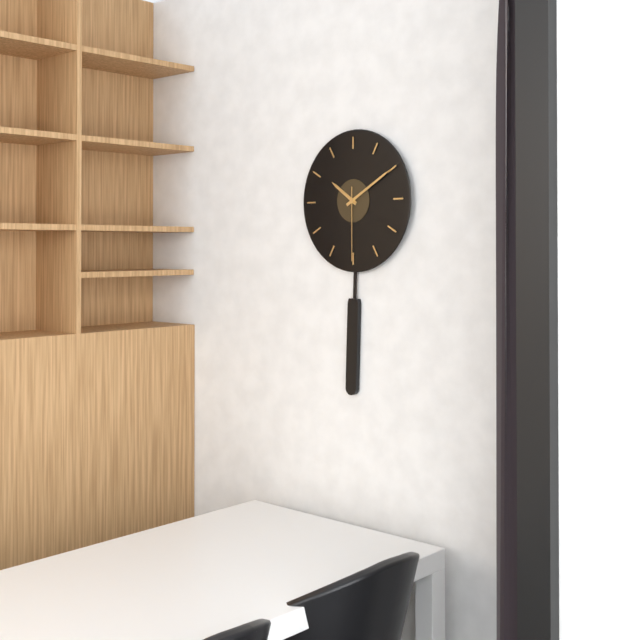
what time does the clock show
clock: 10:10:30
